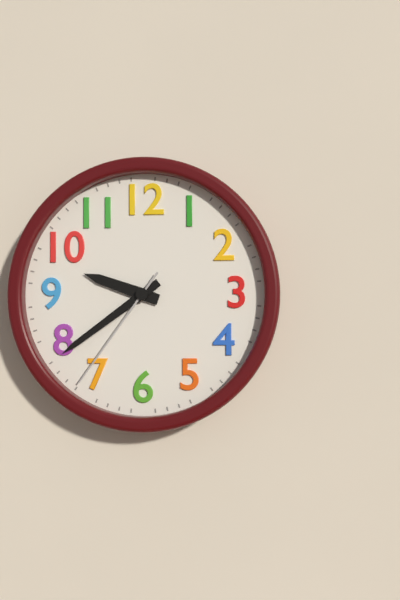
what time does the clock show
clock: 9:39:36
